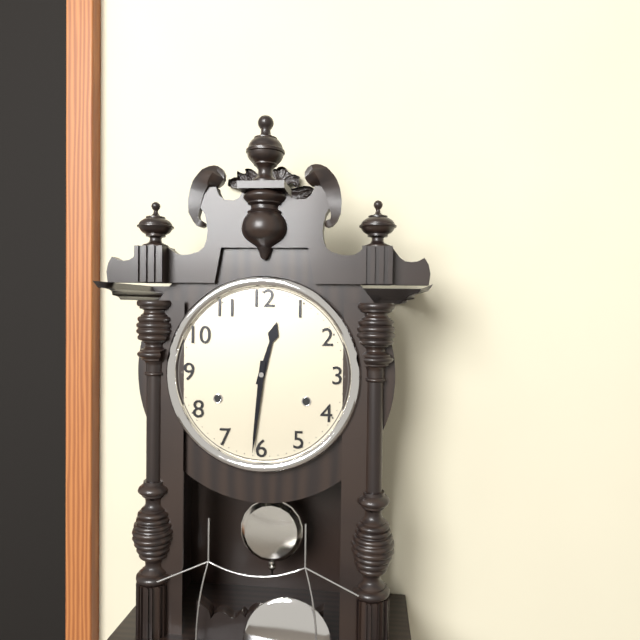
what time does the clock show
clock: 12:31
